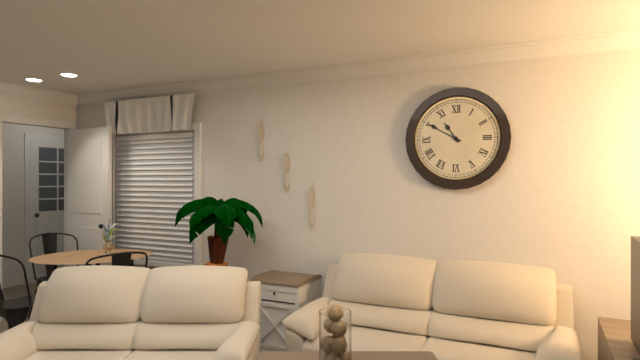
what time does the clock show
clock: 10:50
